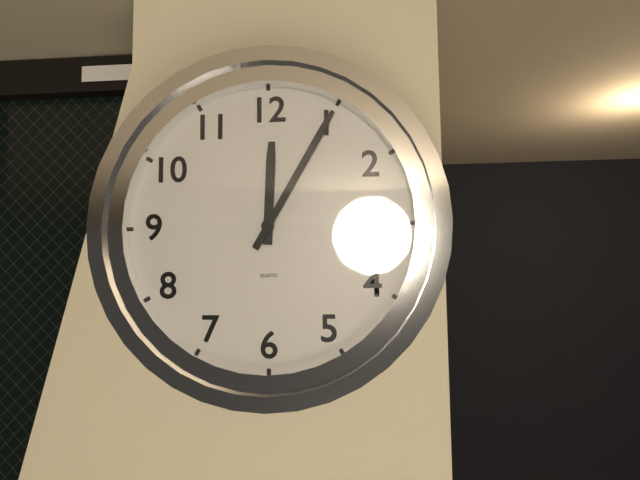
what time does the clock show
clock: 12:05
